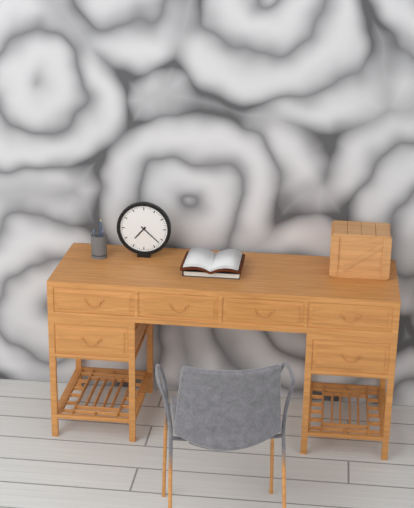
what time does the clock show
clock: 7:22
